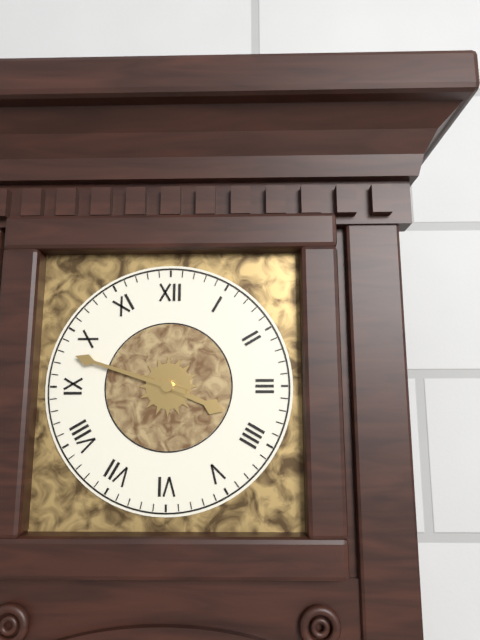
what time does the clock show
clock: 3:48
